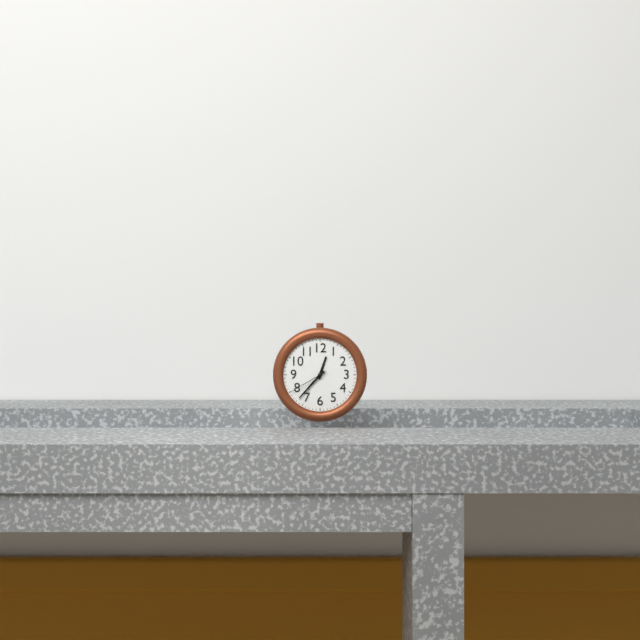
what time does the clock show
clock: 12:37
